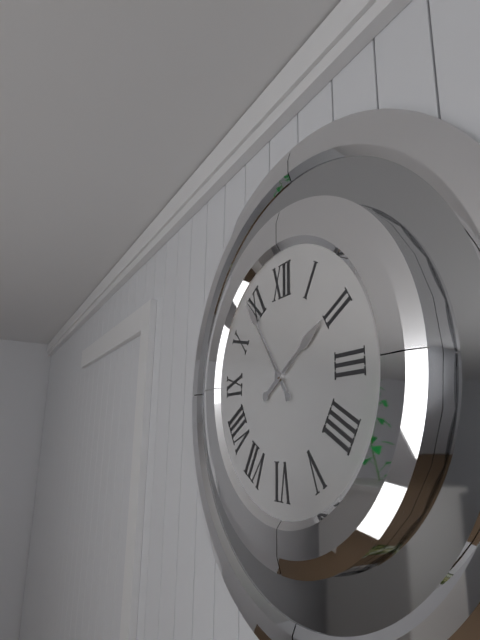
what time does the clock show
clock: 1:54
